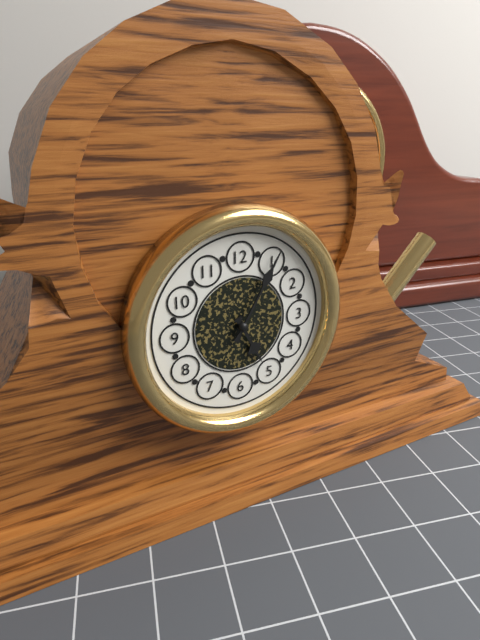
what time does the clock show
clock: 5:05
